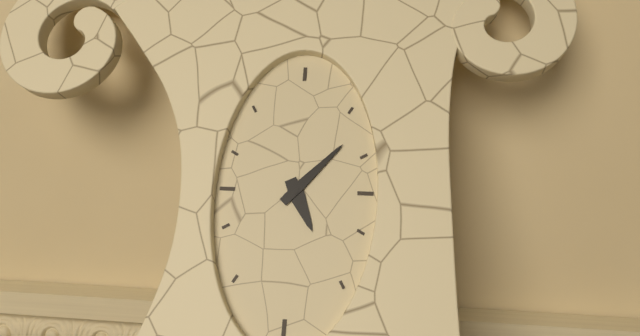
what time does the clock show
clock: 5:07
